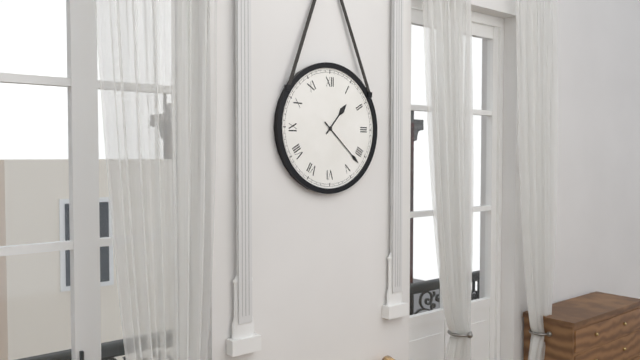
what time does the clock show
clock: 1:22
